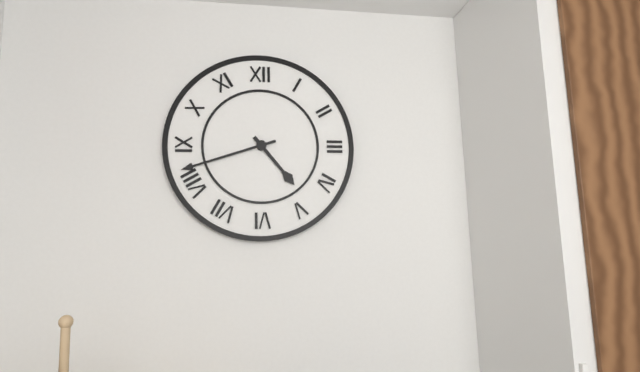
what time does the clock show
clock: 4:42
